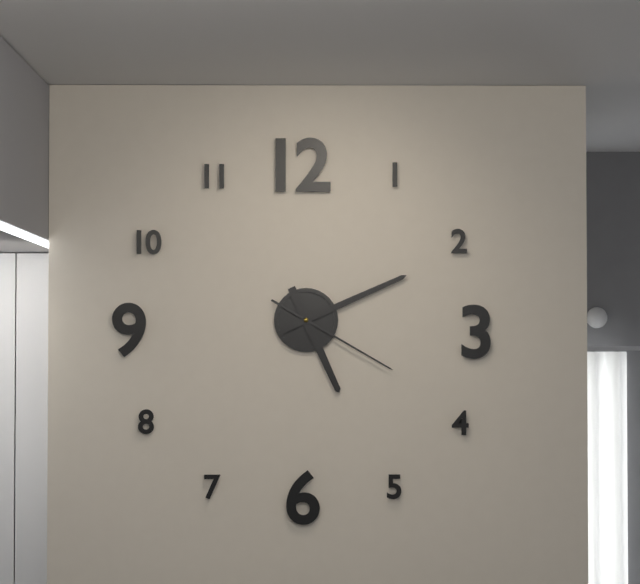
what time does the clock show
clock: 5:11:20
